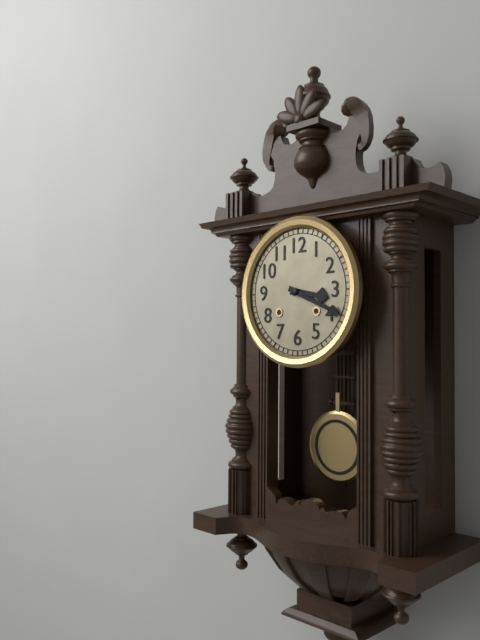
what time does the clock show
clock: 3:19
